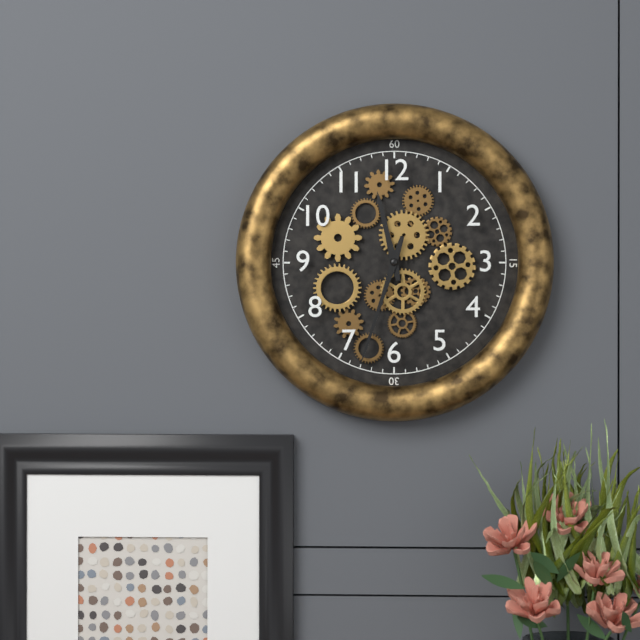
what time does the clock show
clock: 11:33
